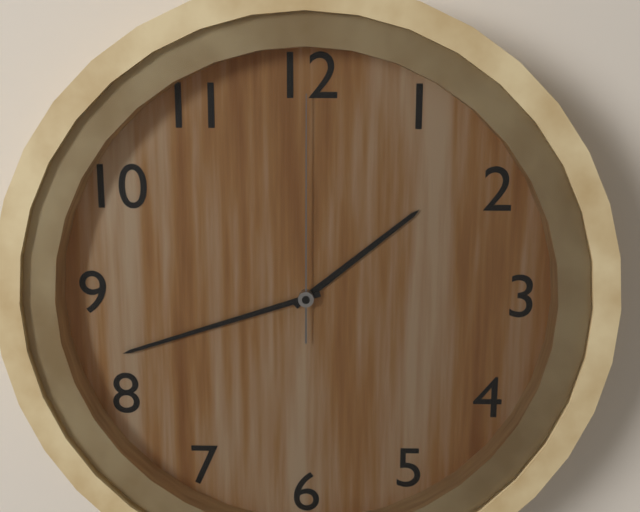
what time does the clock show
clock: 1:42:00
